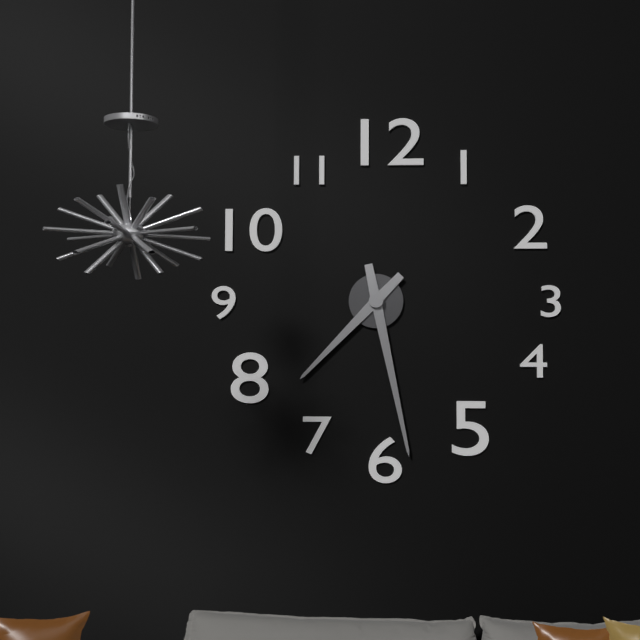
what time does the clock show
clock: 7:28
